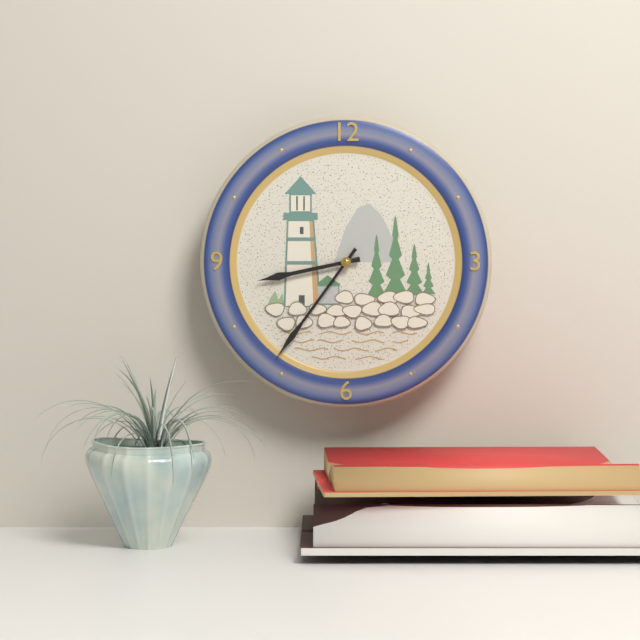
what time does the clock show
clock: 8:36
